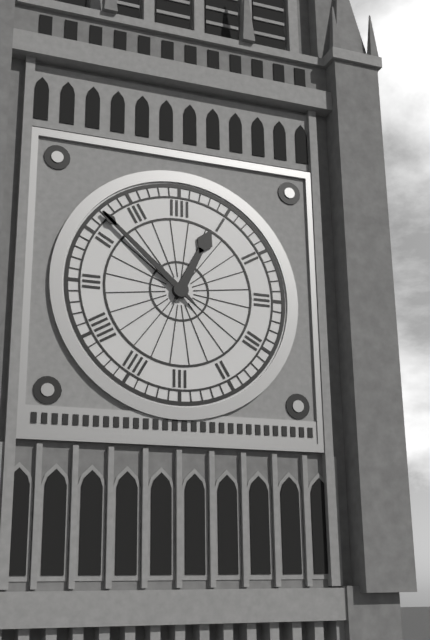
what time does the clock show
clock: 12:52
